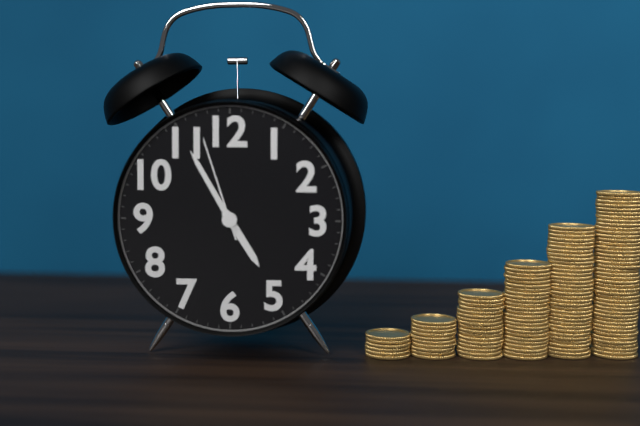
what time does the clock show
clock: 4:55:57
